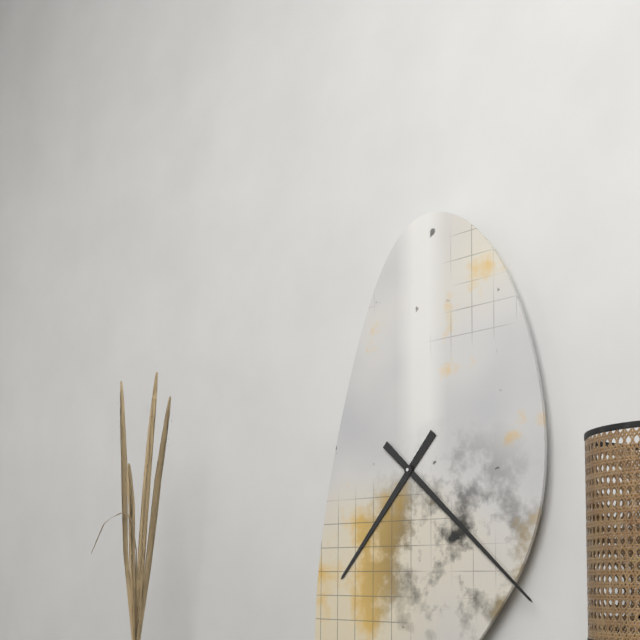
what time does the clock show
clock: 7:22
